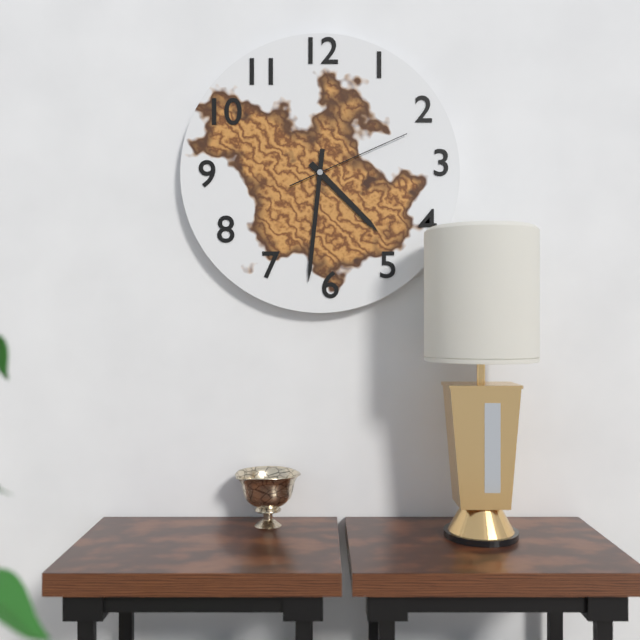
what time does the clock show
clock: 4:31:11
